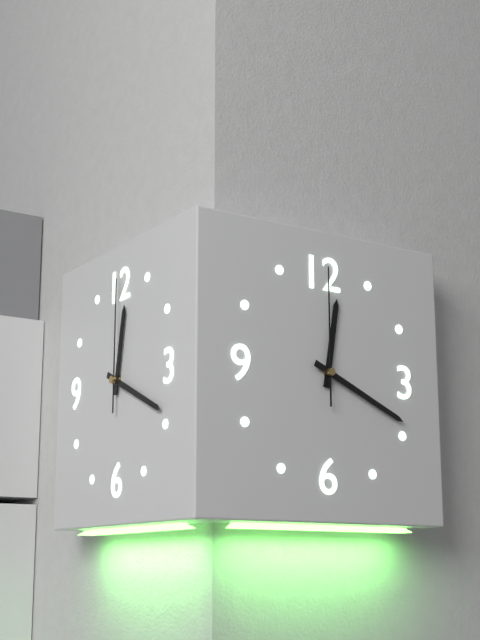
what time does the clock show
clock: 12:19:00
